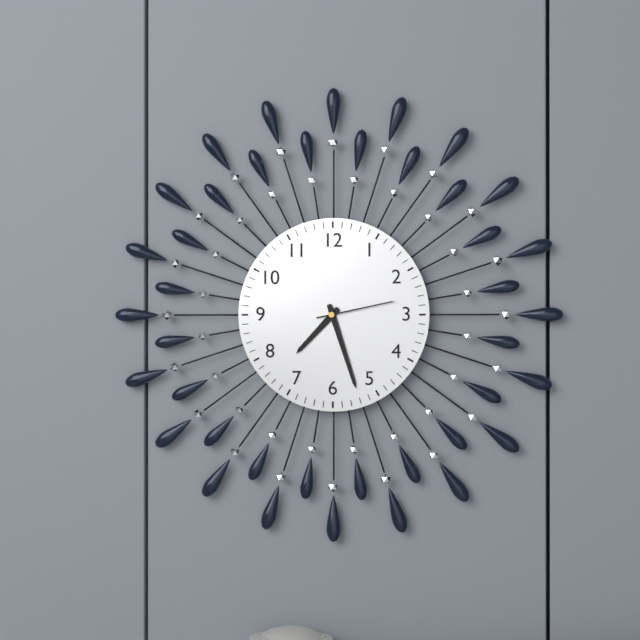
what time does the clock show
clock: 7:27:13
